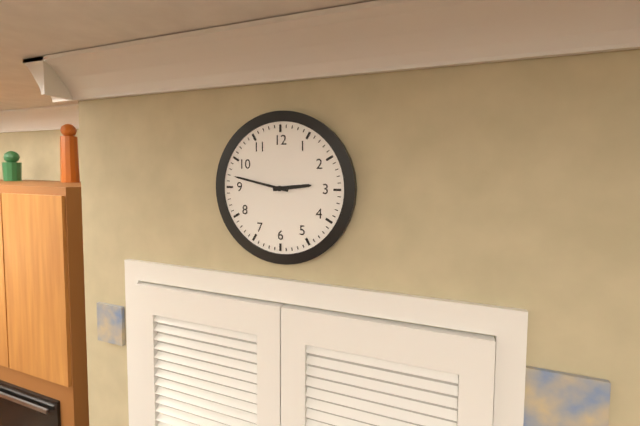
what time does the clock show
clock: 2:47
